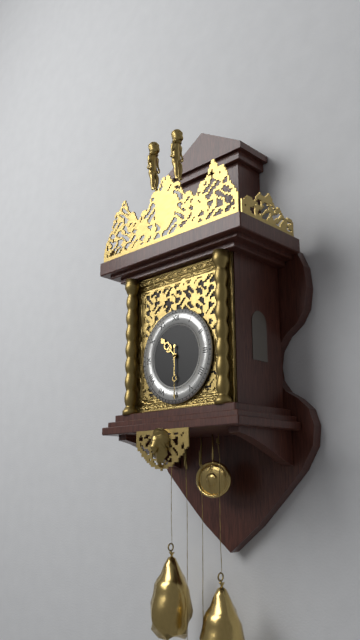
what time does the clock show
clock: 10:30
